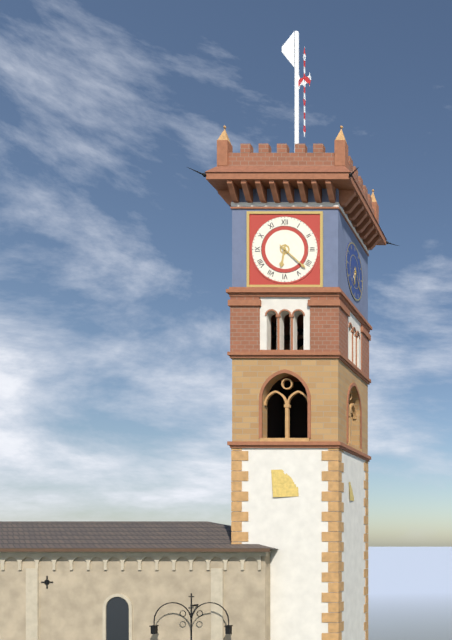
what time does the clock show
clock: 6:22
